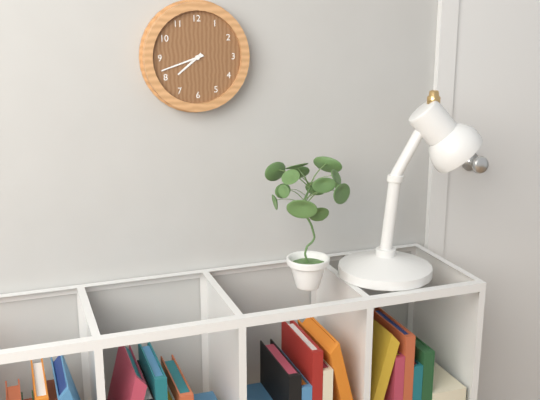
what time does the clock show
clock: 7:42
